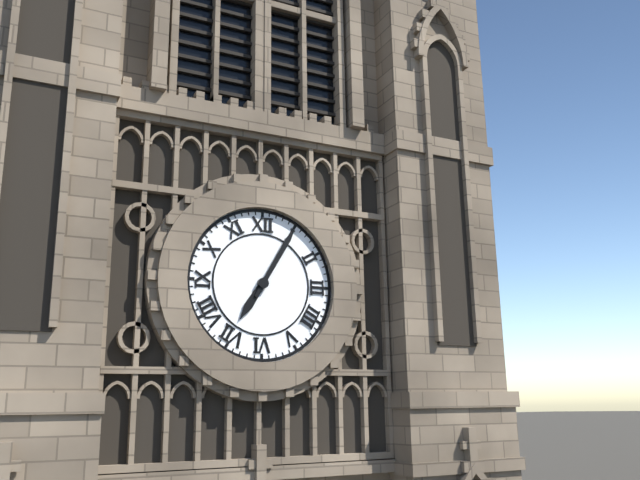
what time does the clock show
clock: 7:05
